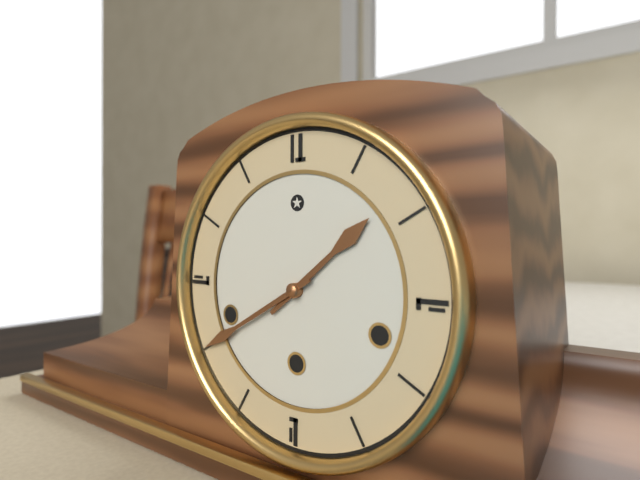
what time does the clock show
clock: 1:40
